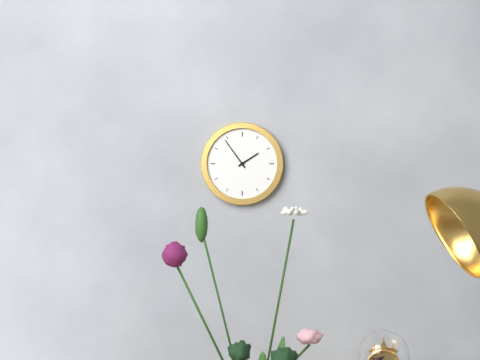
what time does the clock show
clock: 1:54
